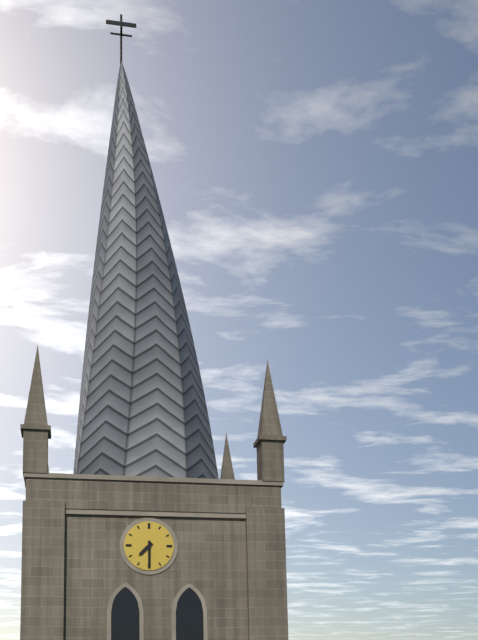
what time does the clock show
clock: 7:30
